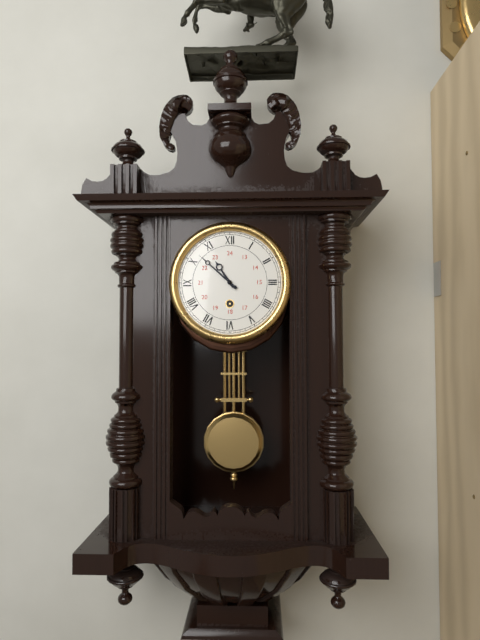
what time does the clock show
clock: 10:52
